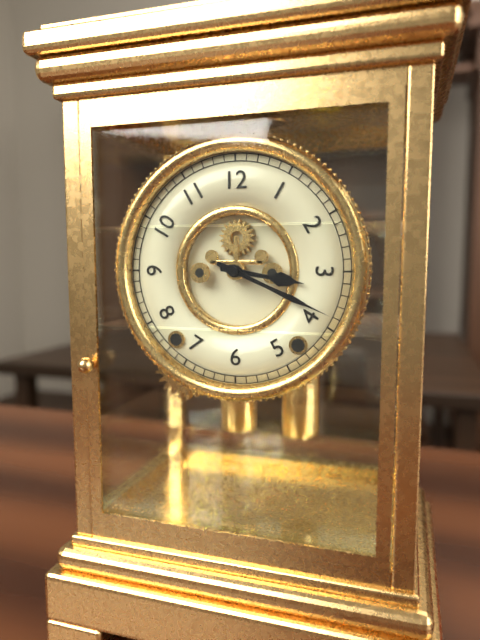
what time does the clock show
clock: 3:19
